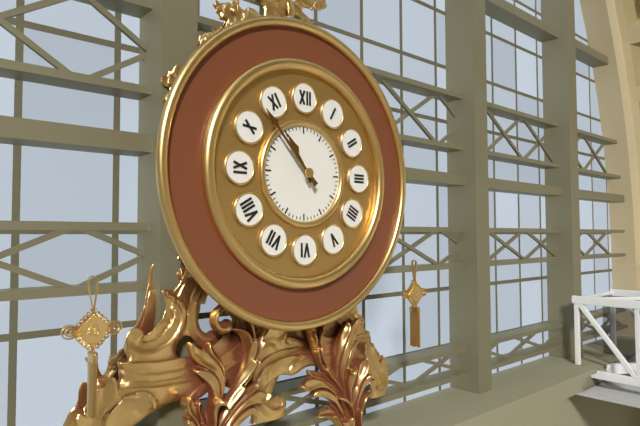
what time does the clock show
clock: 10:53
